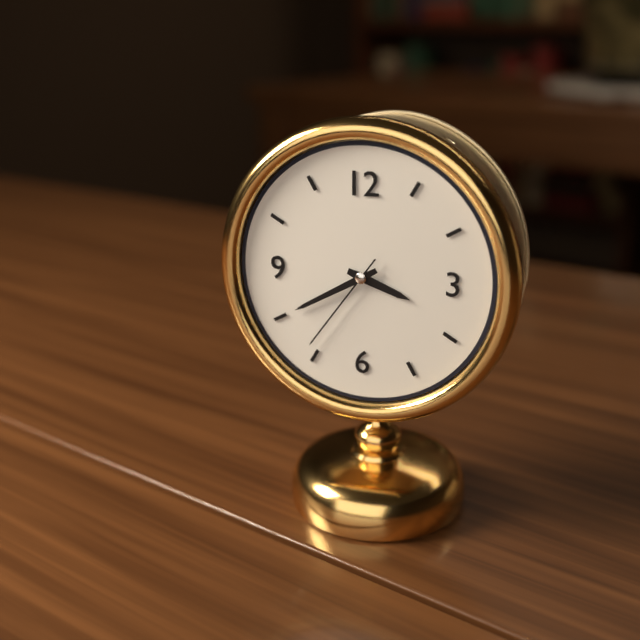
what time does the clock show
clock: 3:40:36
